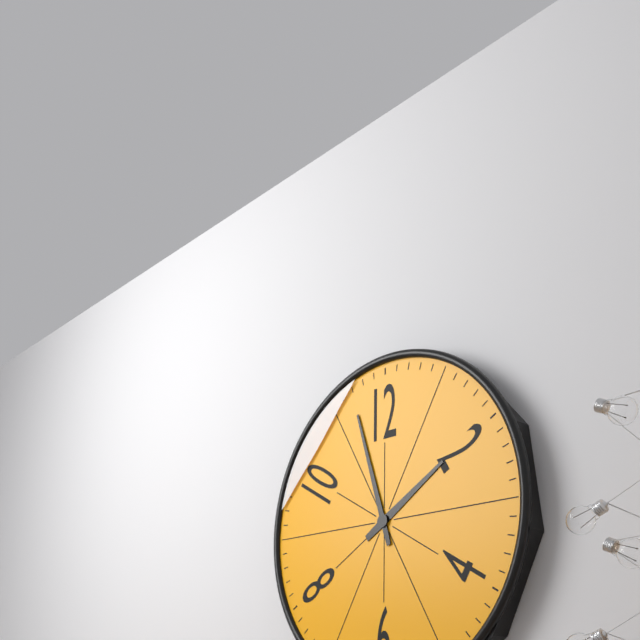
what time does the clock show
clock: 1:57
